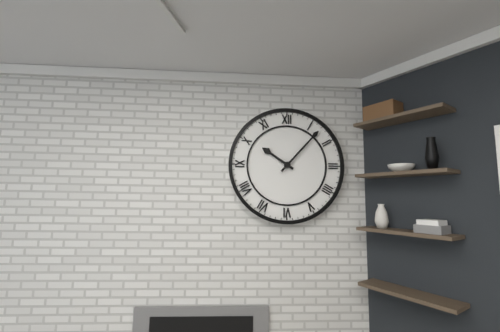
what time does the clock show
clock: 10:07
